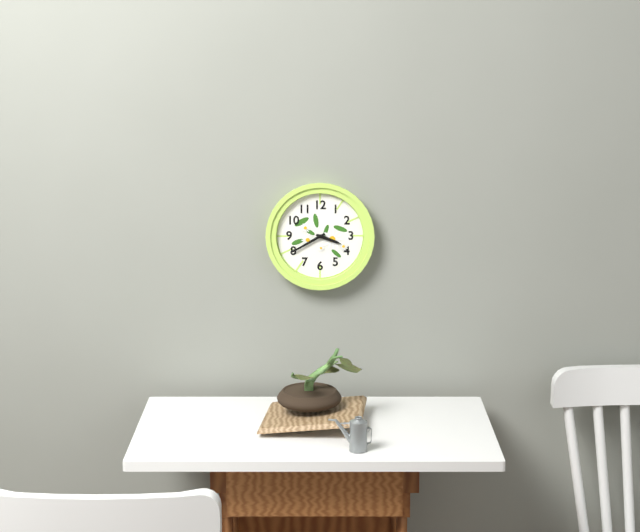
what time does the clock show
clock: 3:40
